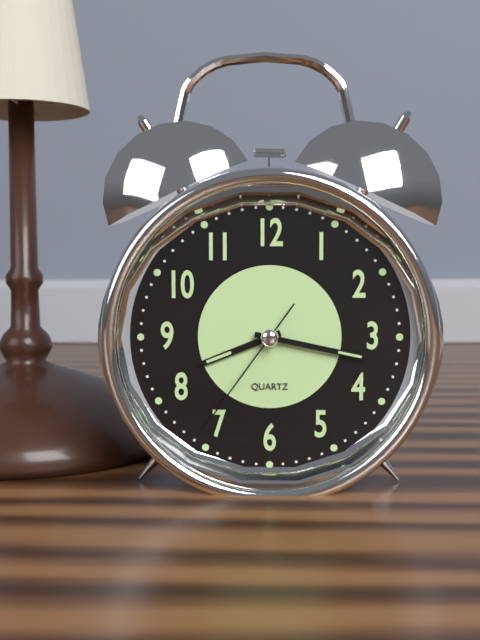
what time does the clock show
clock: 8:17:36
